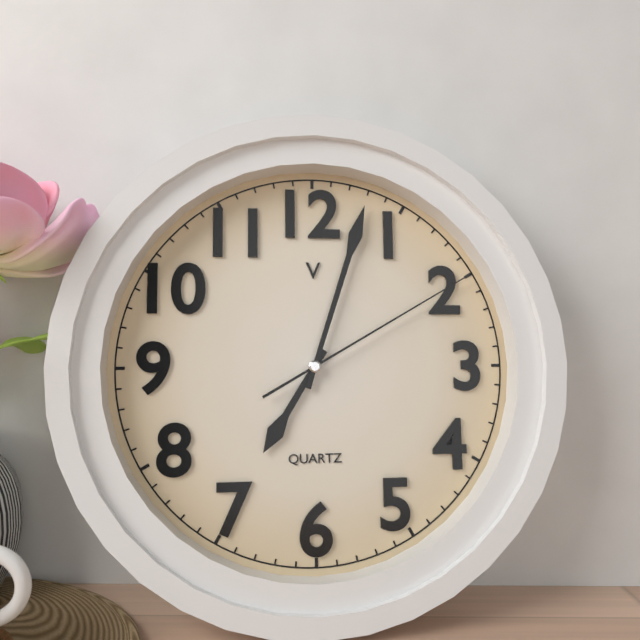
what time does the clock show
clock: 7:03:10
